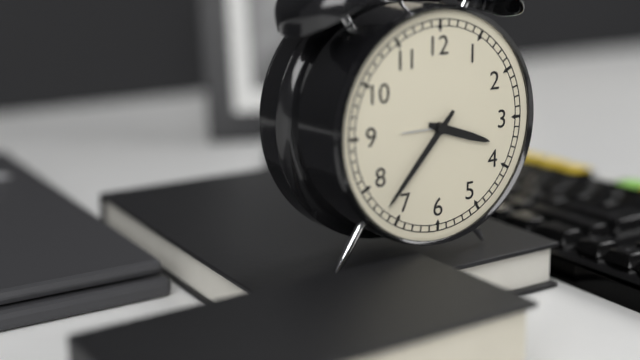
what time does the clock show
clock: 3:37
